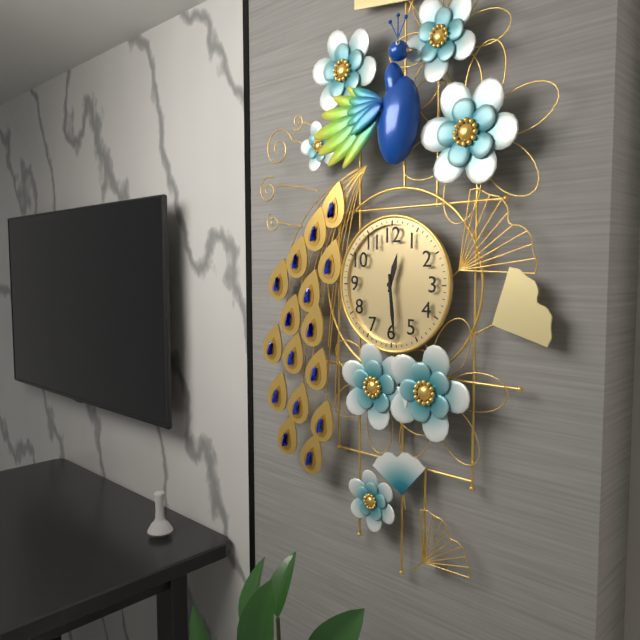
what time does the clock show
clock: 12:29
